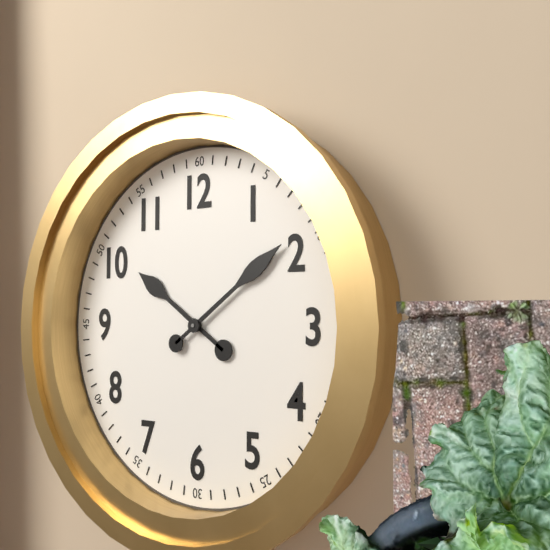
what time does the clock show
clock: 10:09
